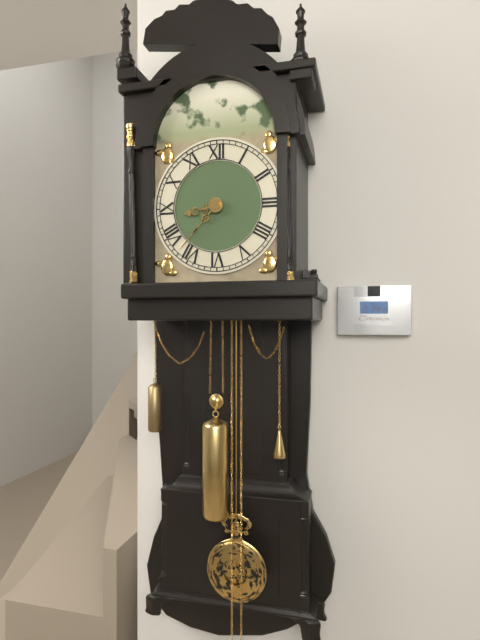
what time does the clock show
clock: 8:37
